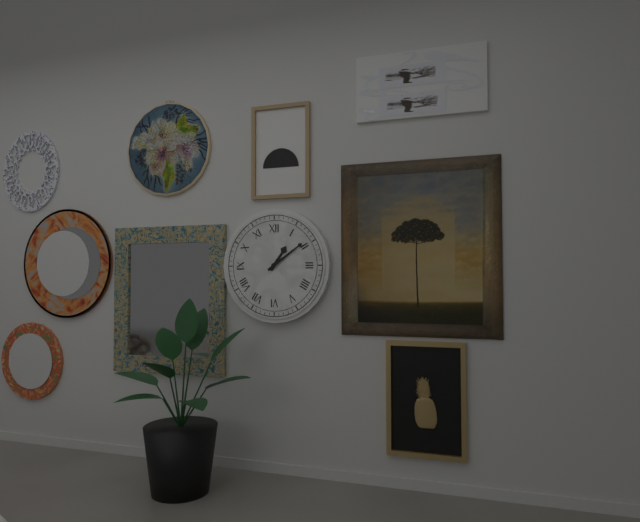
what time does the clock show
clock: 1:09
